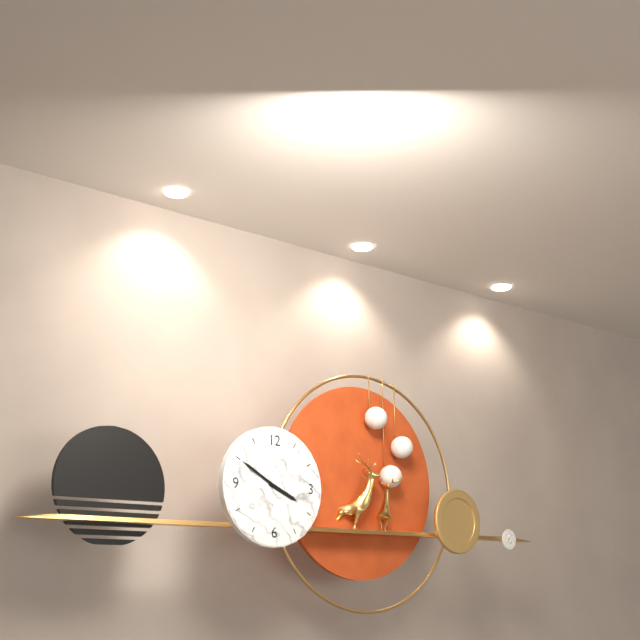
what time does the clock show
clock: 3:50
